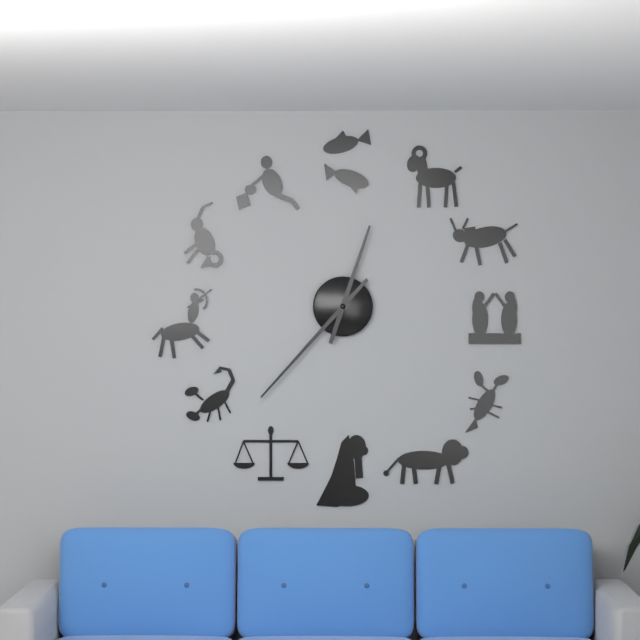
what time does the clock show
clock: 12:37
